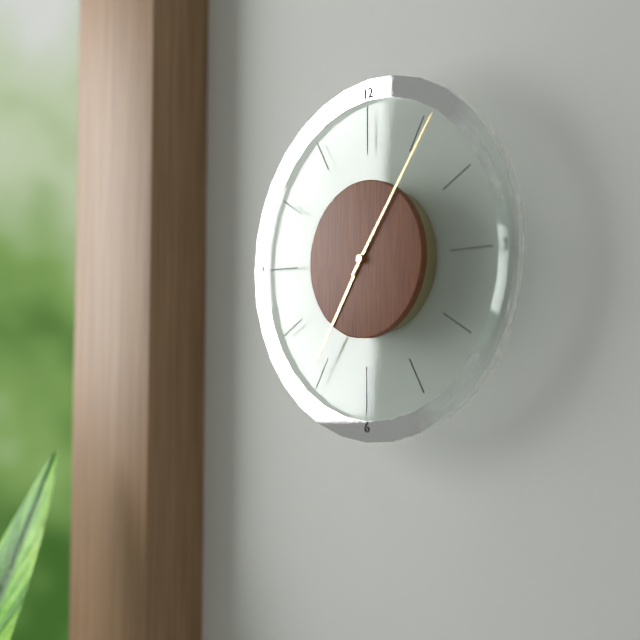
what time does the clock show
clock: 7:06
